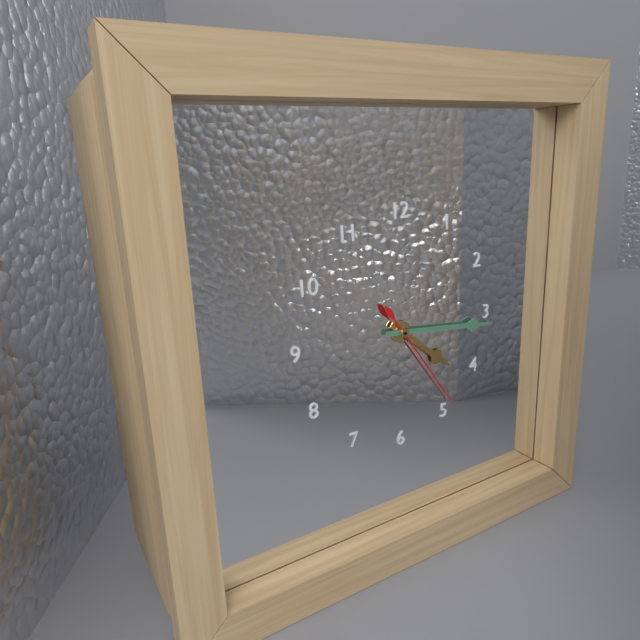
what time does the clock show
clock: 4:16:24
